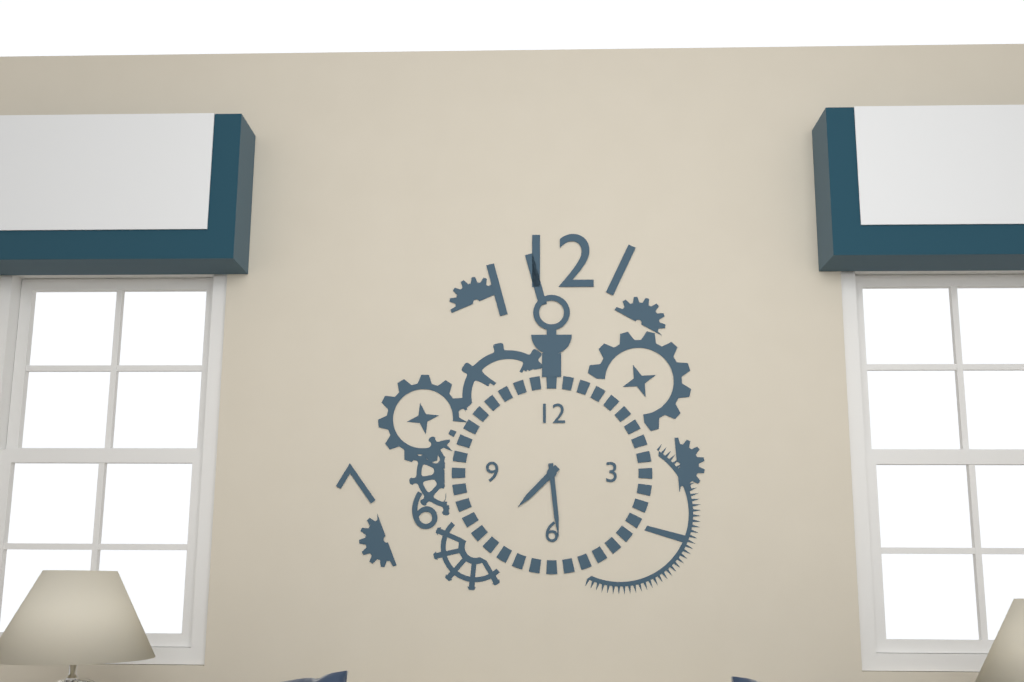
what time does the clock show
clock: 7:29
